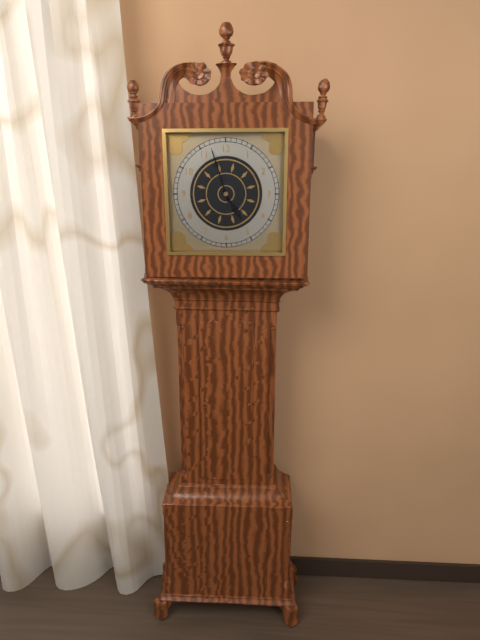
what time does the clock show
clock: 4:57
